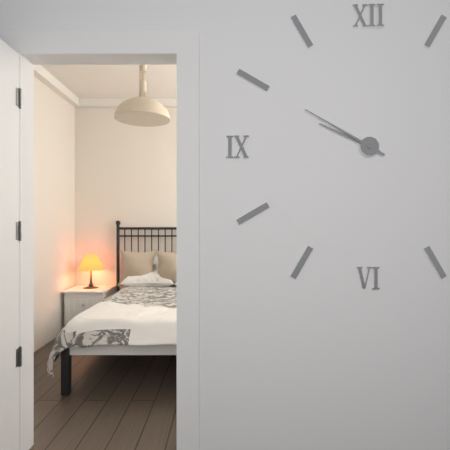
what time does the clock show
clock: 9:50
